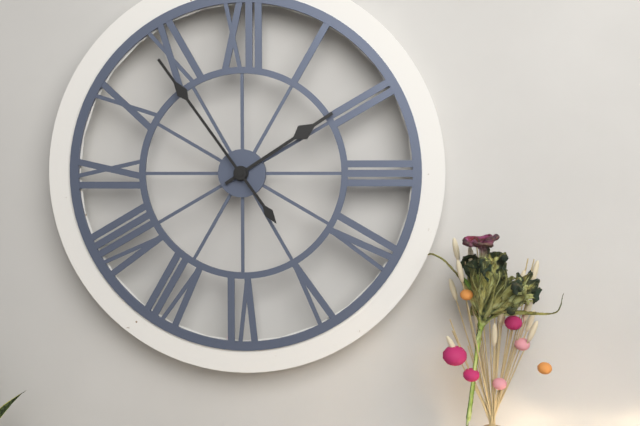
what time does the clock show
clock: 1:54
